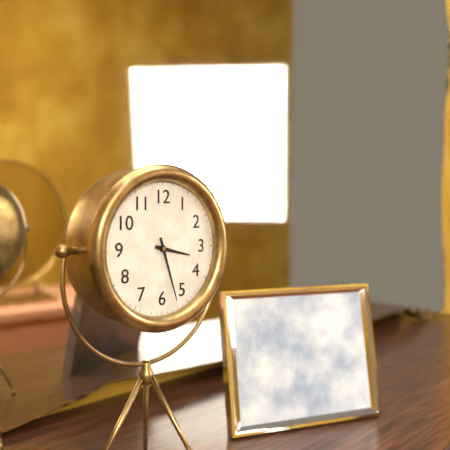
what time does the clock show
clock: 3:27
